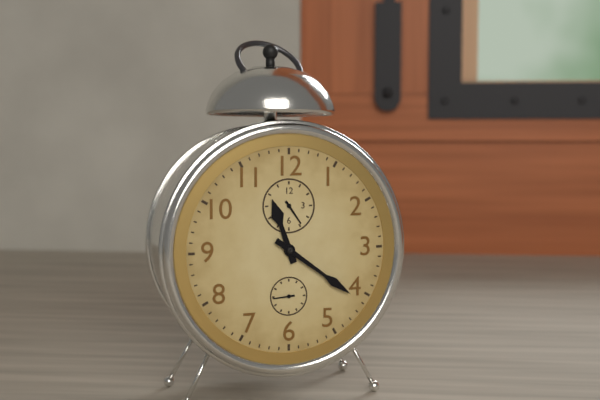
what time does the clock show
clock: 11:21
